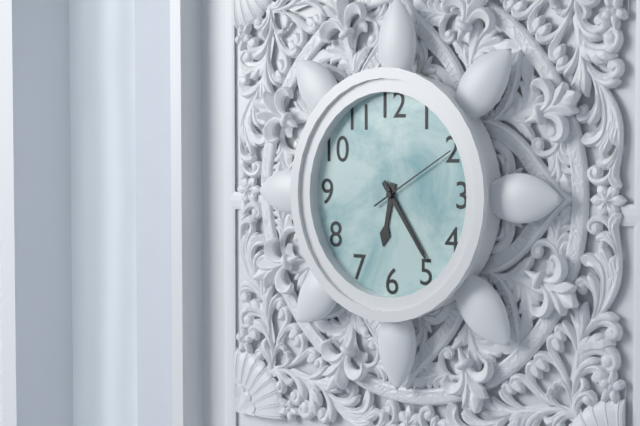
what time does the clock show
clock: 6:24:10
